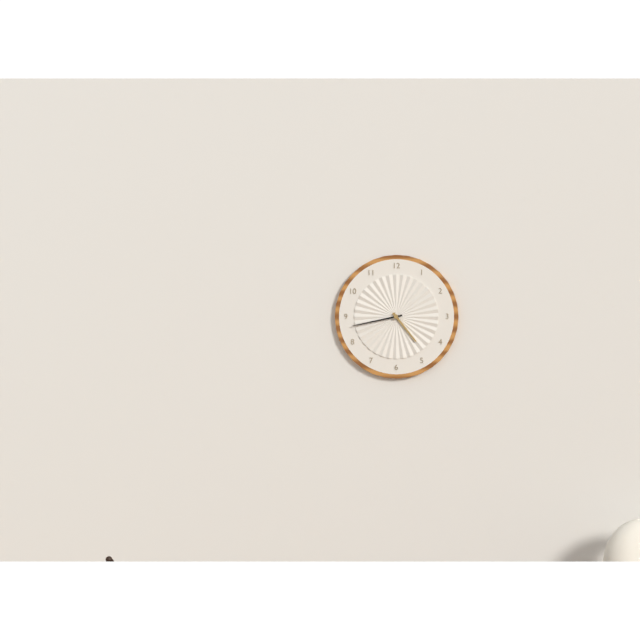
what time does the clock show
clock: 4:43
